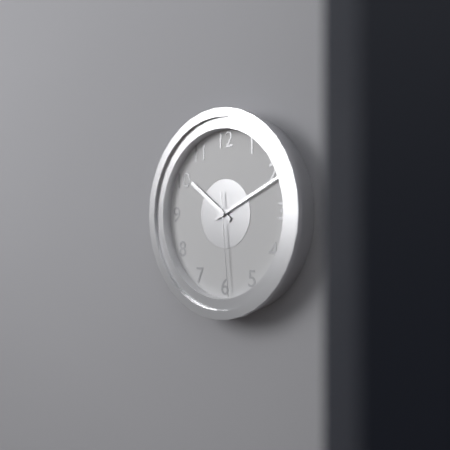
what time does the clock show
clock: 10:11:29
